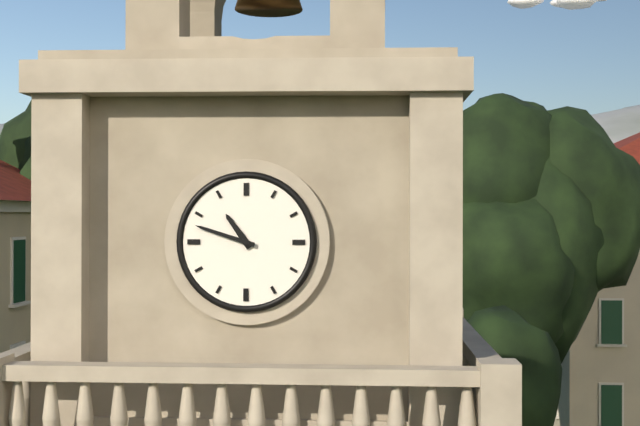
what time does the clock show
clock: 10:48
